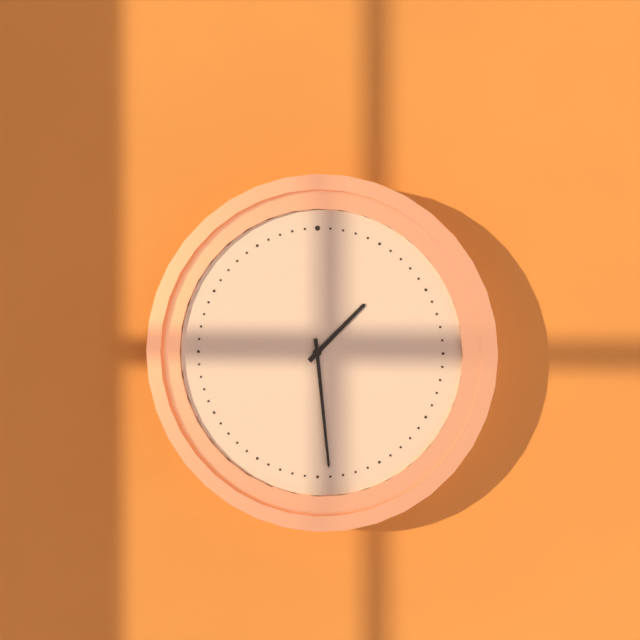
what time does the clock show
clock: 1:29
